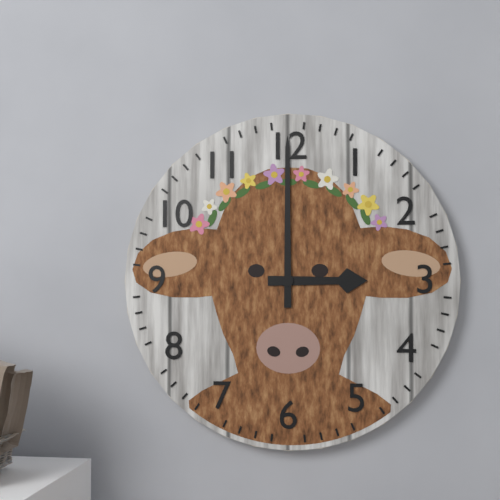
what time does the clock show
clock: 3:00
